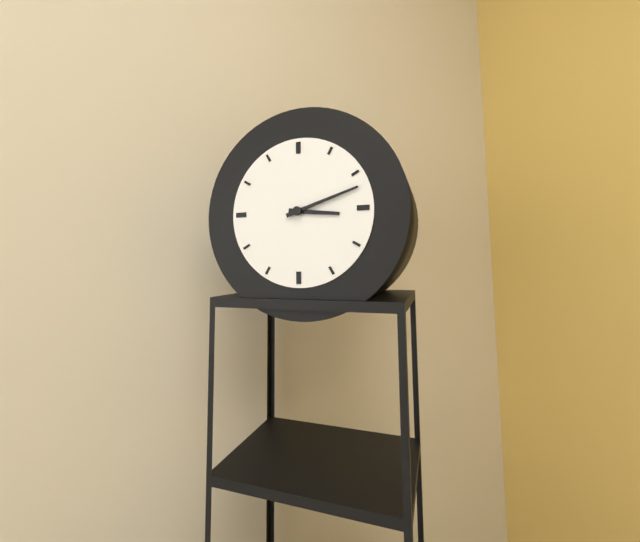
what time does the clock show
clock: 3:12
